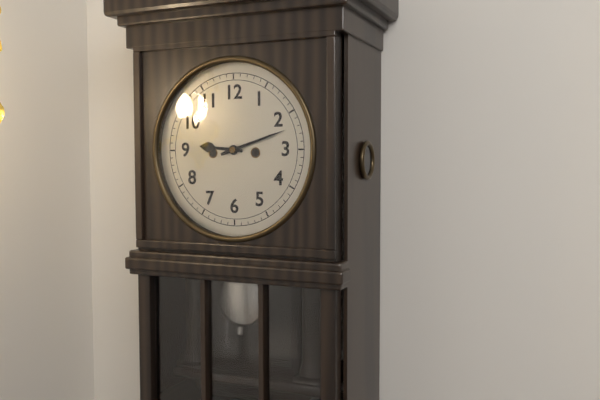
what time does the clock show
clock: 9:12
